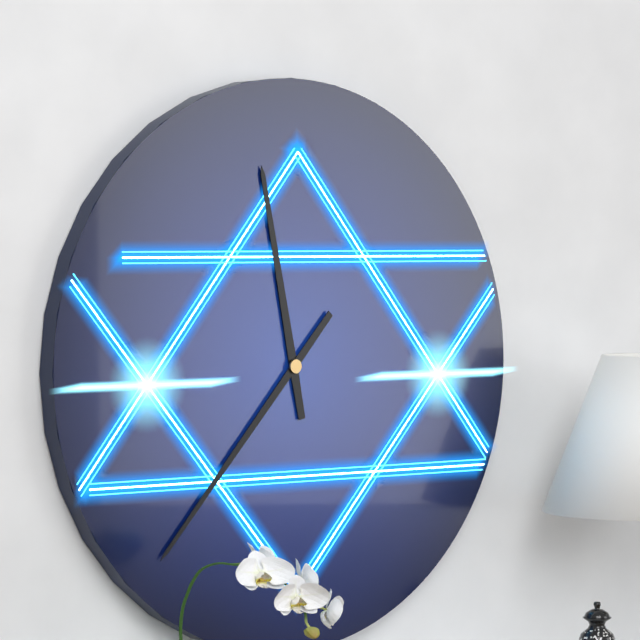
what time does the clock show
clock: 11:37
